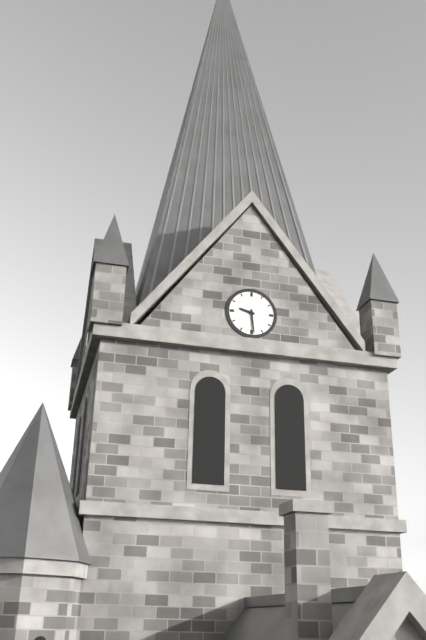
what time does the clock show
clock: 9:29
